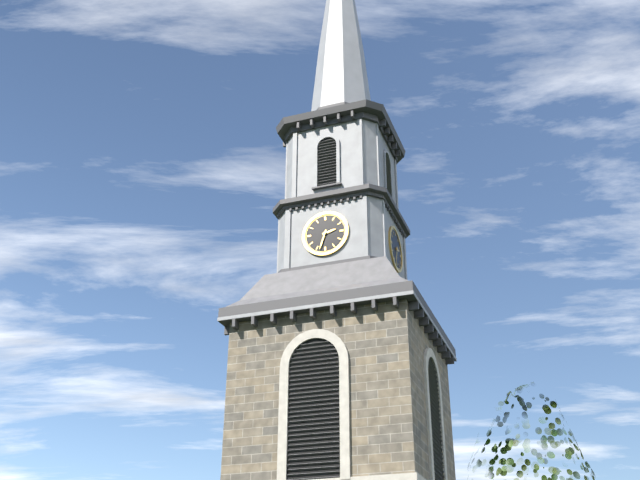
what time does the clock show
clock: 2:33
